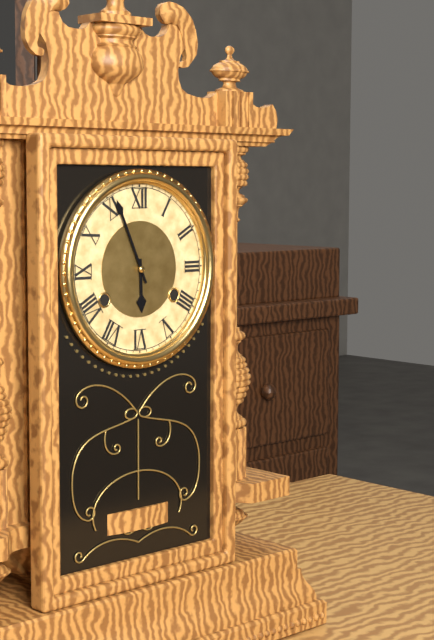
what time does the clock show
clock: 5:56
